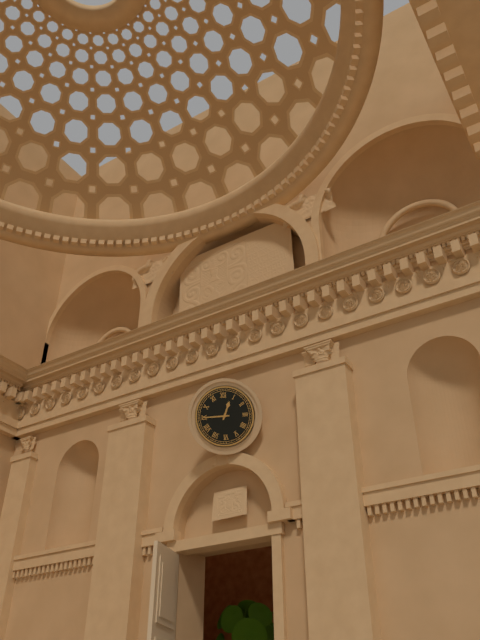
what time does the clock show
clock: 12:45
